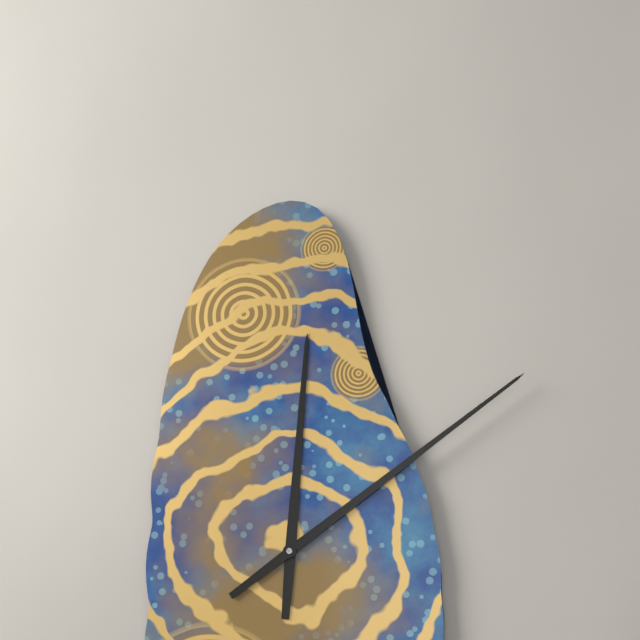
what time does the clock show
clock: 12:09
